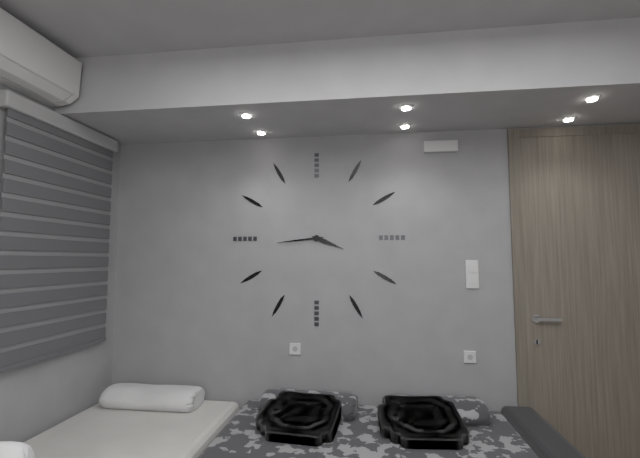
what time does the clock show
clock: 3:44
